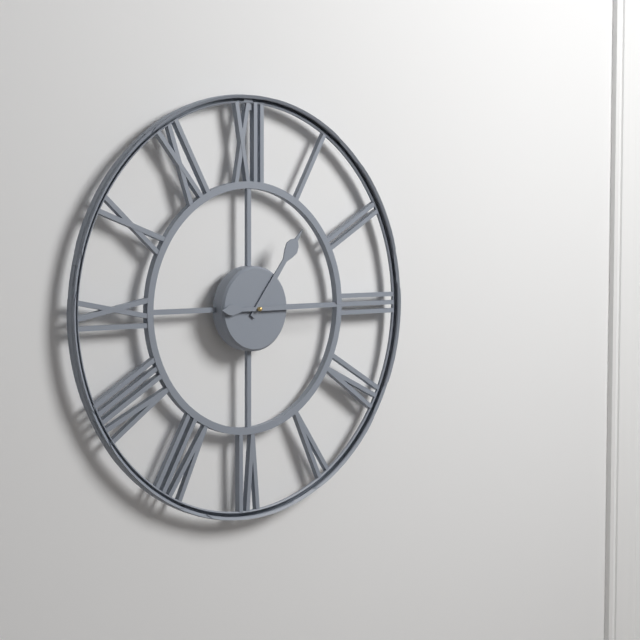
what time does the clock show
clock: 1:15
